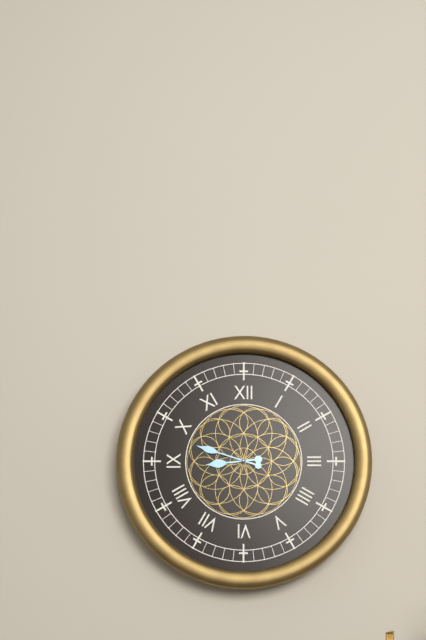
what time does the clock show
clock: 8:48
